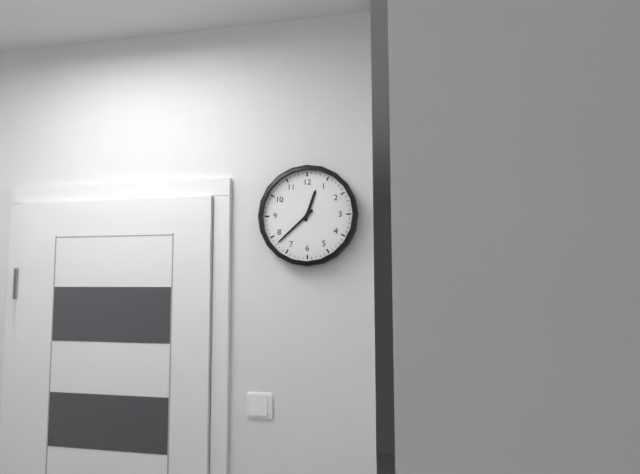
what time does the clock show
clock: 12:38
